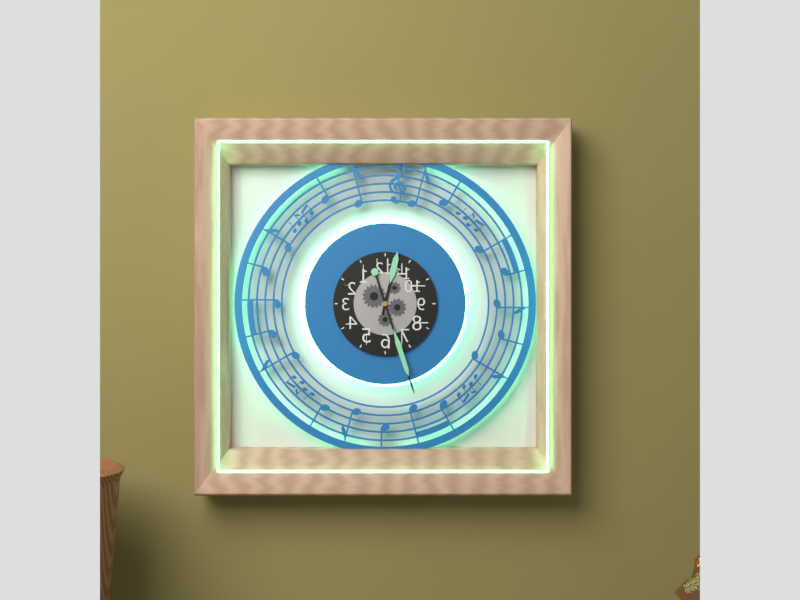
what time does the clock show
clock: 12:27
